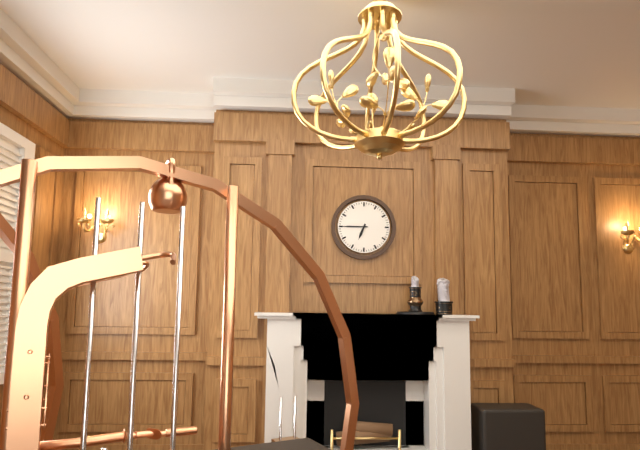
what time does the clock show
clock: 6:45
